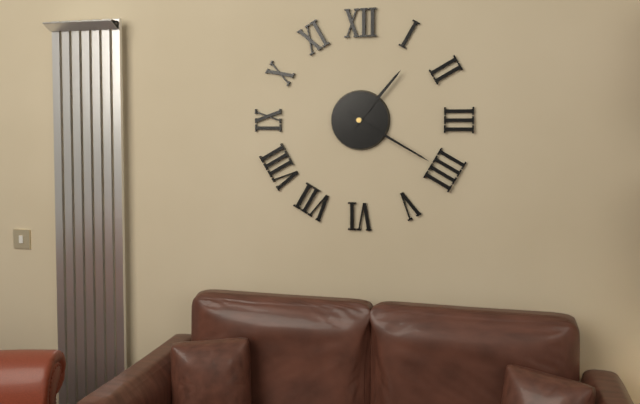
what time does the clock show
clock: 1:20
